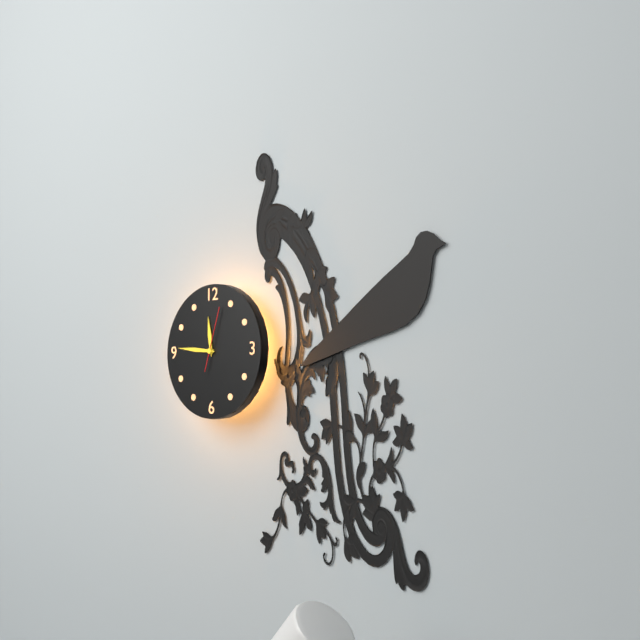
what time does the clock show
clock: 11:46:03
